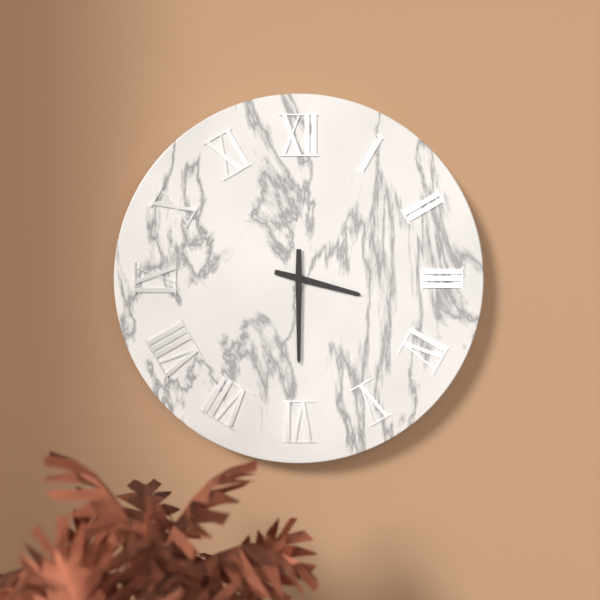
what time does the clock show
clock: 3:30
